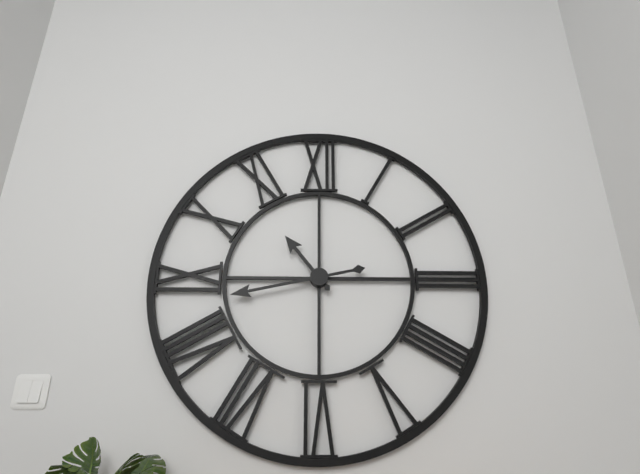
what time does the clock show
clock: 10:43
